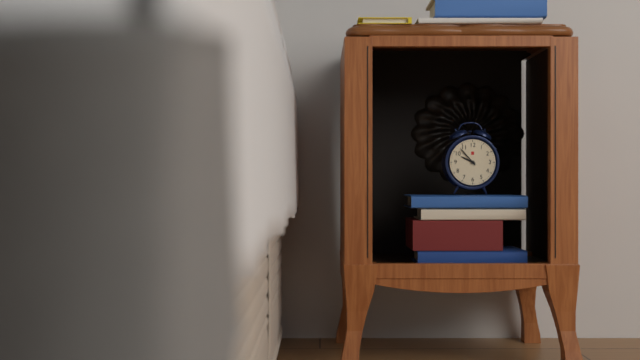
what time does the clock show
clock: 9:53
